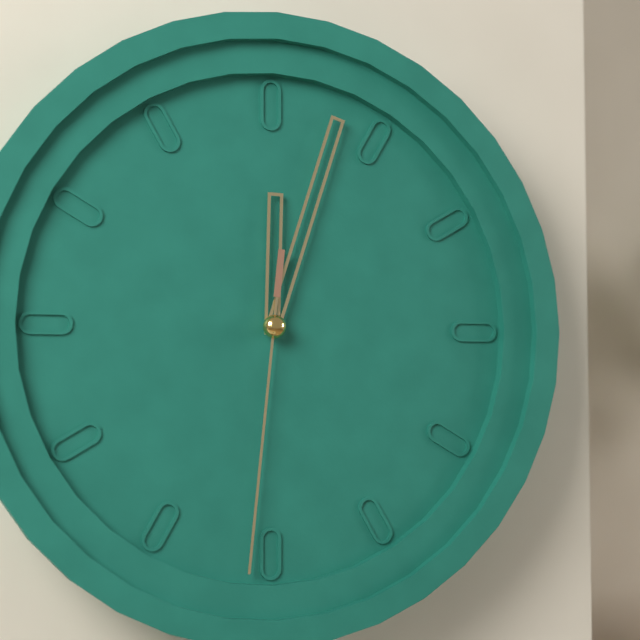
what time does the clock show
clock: 12:03:31
